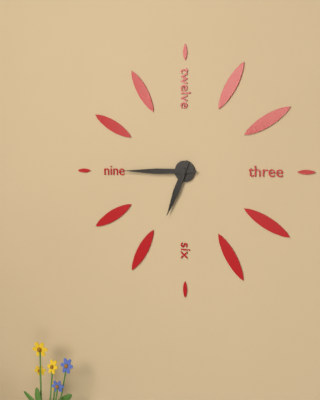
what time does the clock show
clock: 6:45
